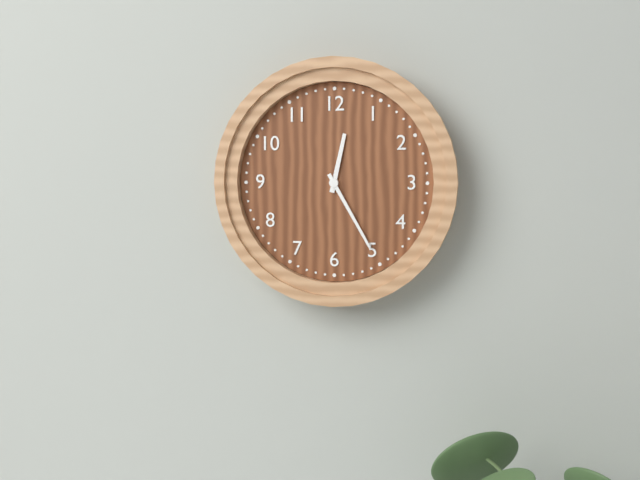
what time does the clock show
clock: 12:25
